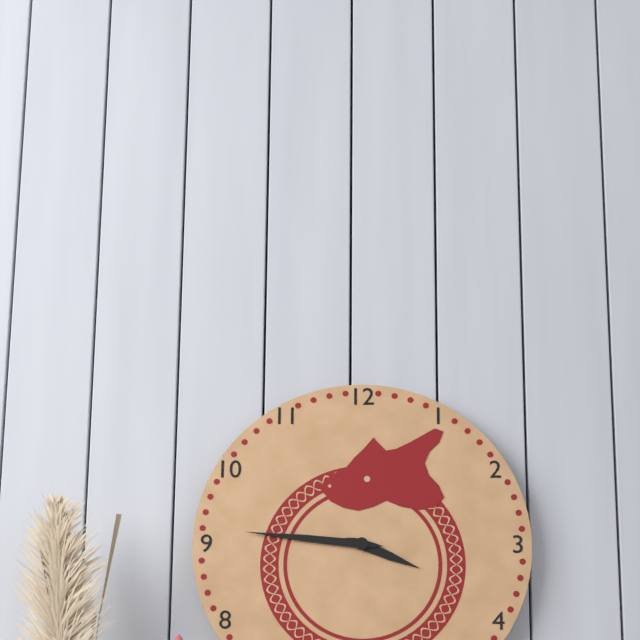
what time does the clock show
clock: 3:46
